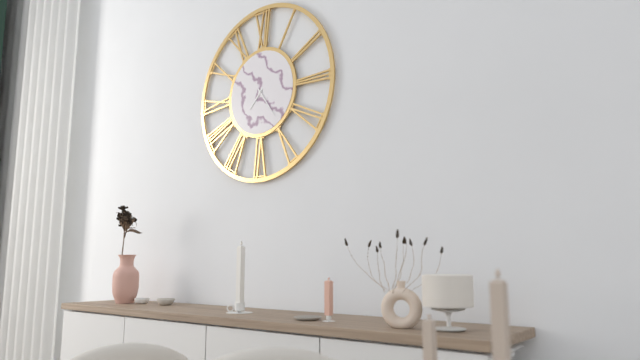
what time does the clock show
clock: 7:24
